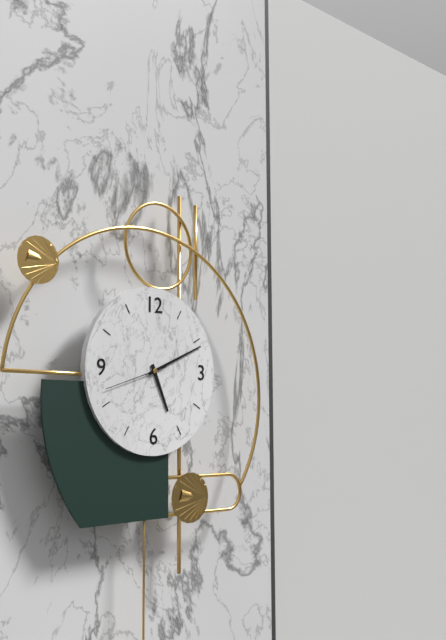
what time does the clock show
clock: 5:11:42
